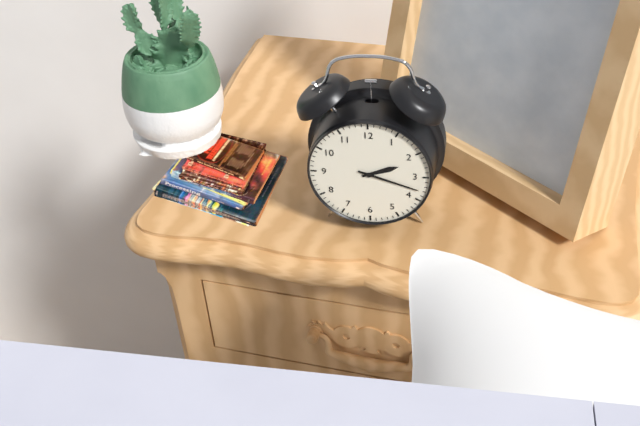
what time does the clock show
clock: 2:18
